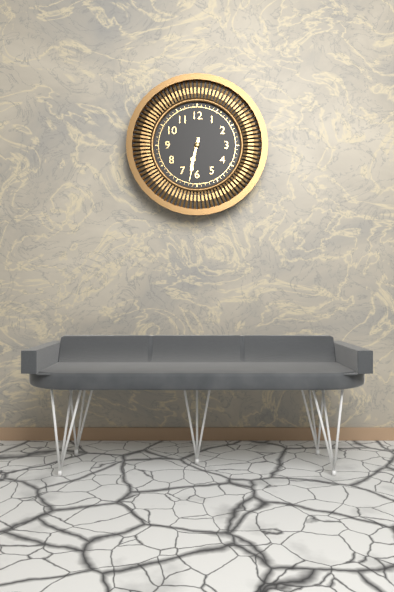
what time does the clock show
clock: 6:32
